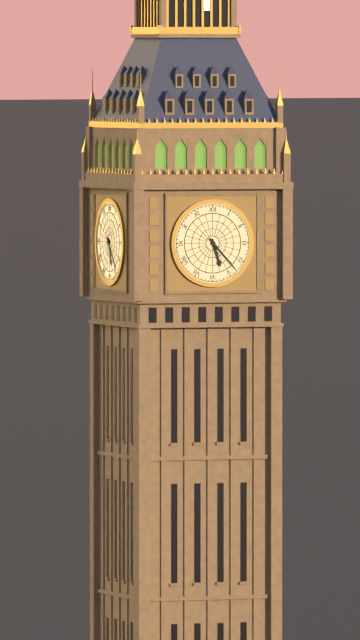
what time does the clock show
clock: 5:23
